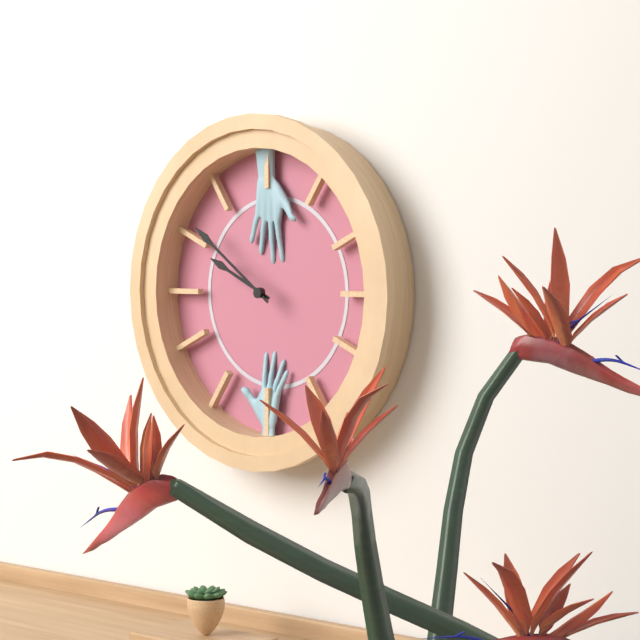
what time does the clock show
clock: 9:51
